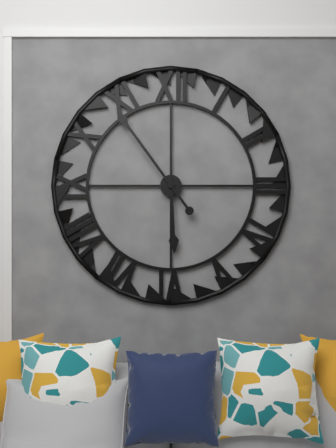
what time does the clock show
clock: 5:54
